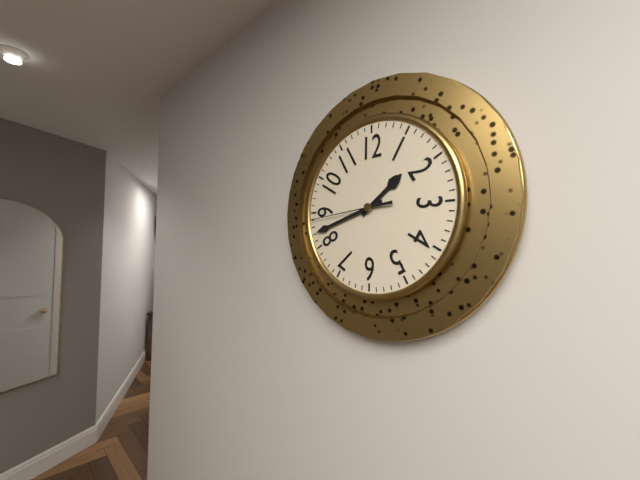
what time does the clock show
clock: 1:42:44
